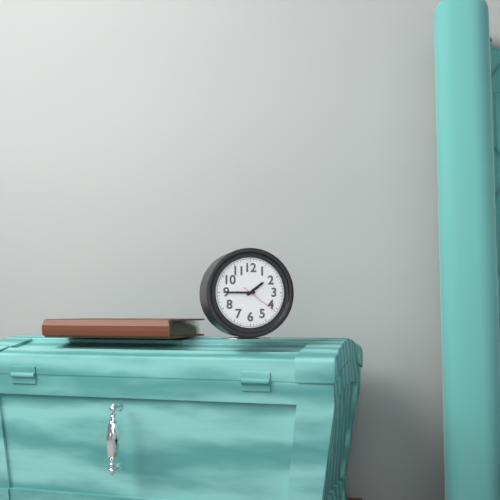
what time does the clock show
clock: 1:45
